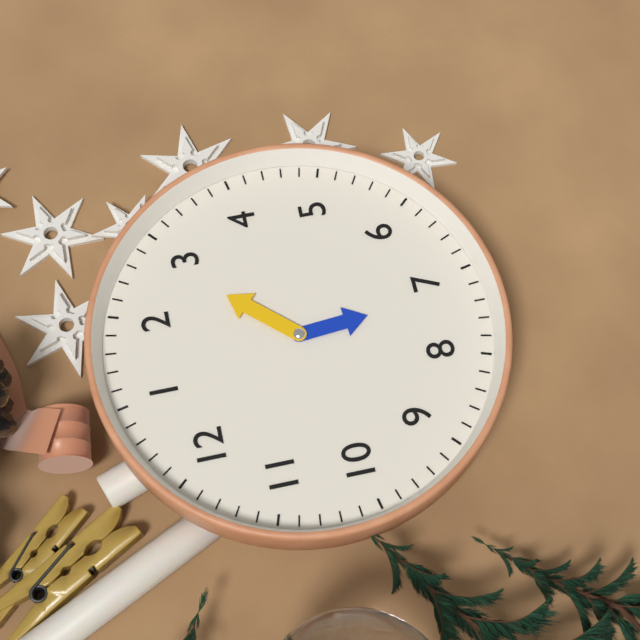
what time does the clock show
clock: 7:14
